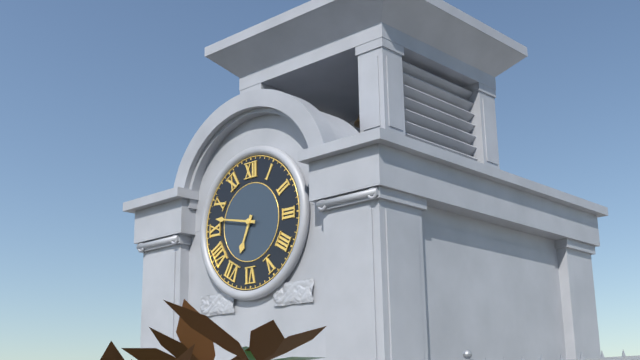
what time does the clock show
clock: 6:47
